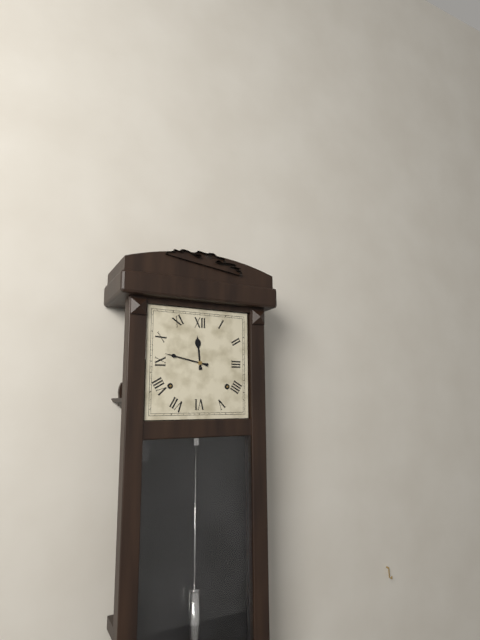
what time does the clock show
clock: 11:47
